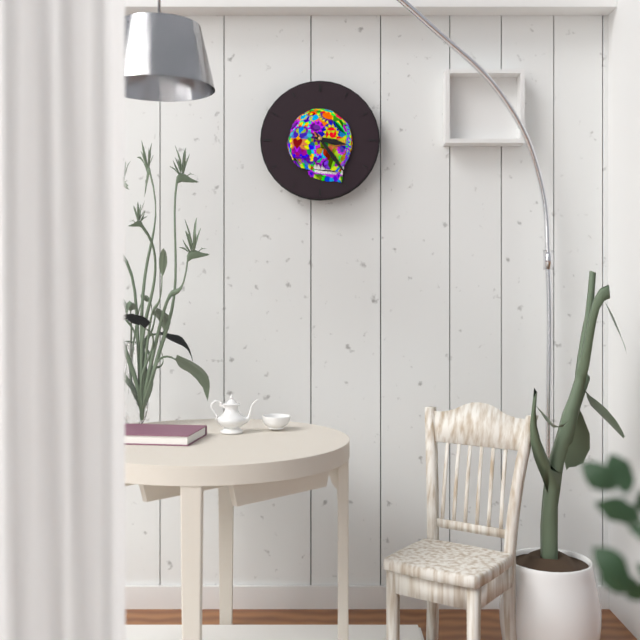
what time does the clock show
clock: 3:24
